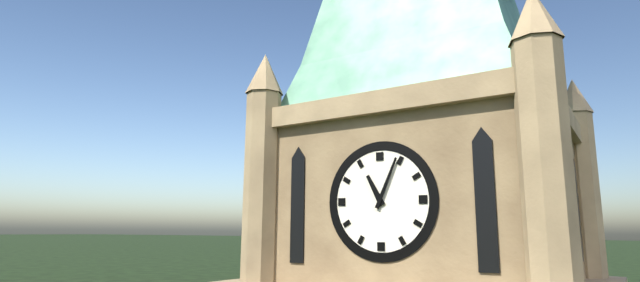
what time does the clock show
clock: 11:04
